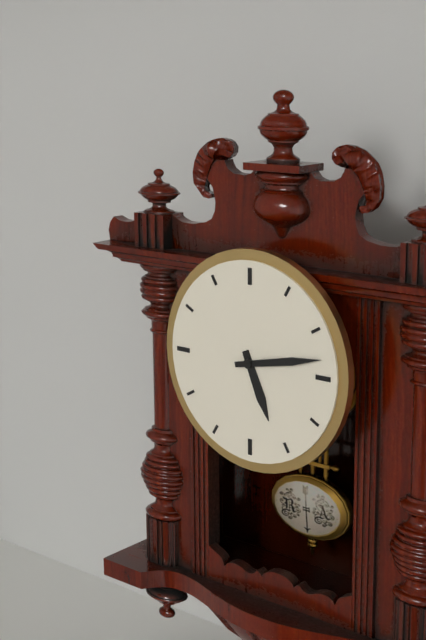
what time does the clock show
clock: 5:13
